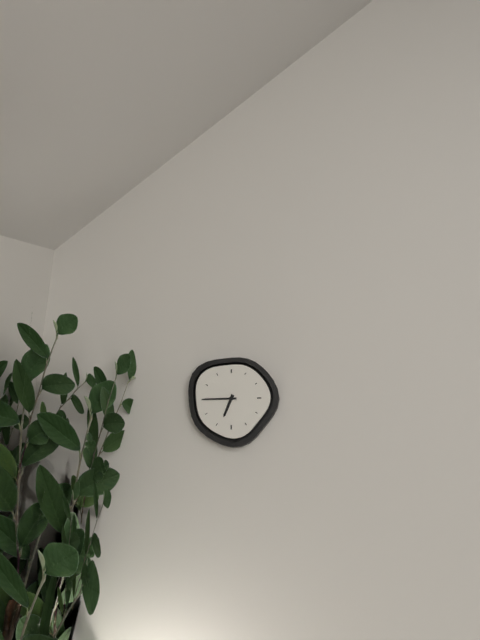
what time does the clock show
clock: 6:45
